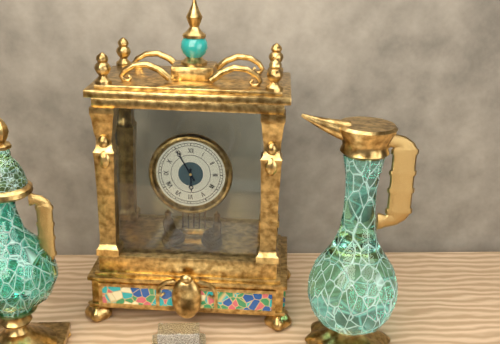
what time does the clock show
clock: 5:55
